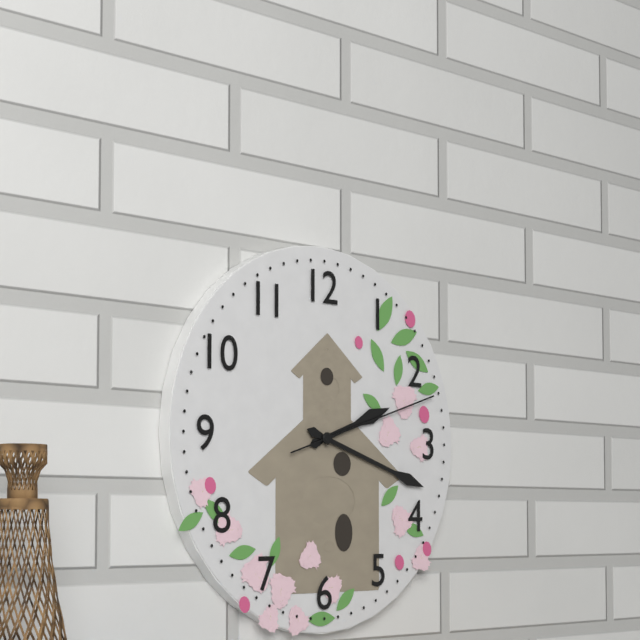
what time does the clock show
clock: 2:18:12
